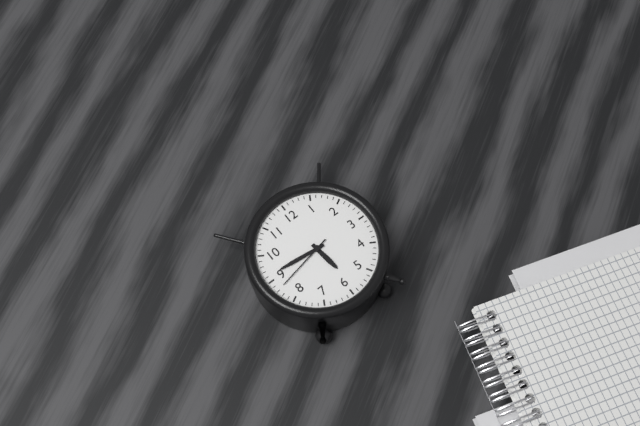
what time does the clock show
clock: 5:46:43
